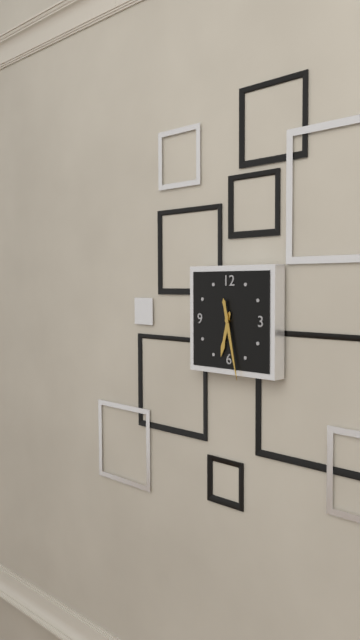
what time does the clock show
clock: 6:28
